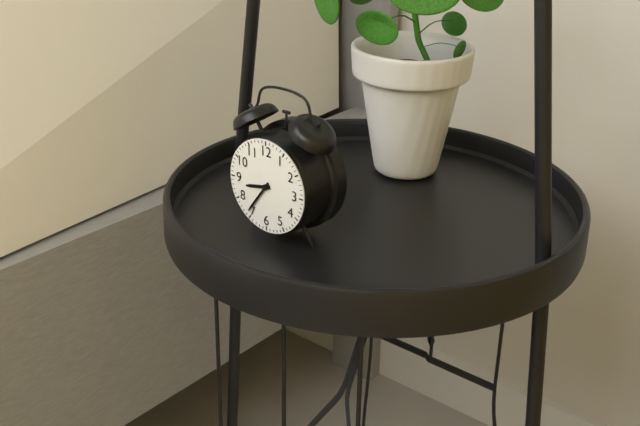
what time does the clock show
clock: 8:36
